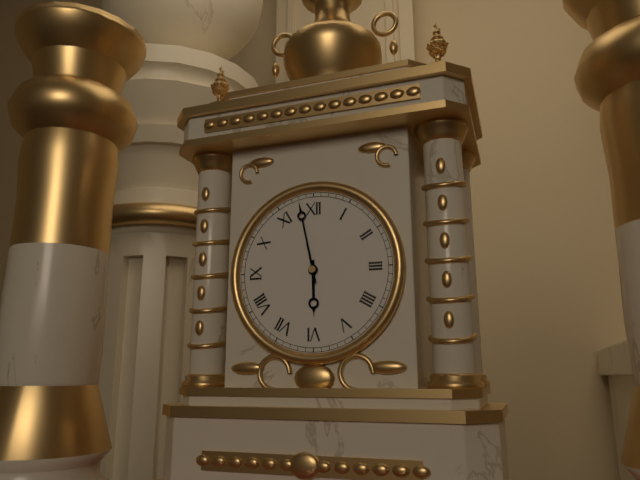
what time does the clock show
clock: 5:58
